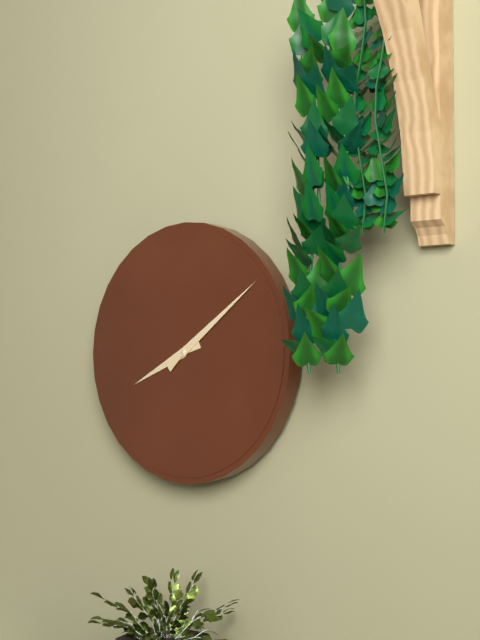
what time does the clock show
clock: 8:09
